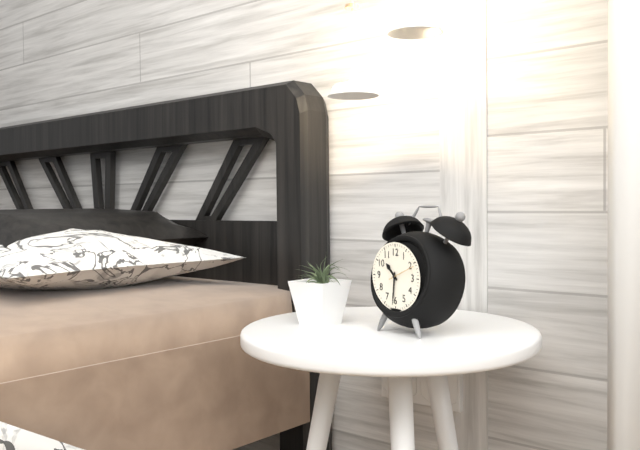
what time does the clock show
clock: 10:31
